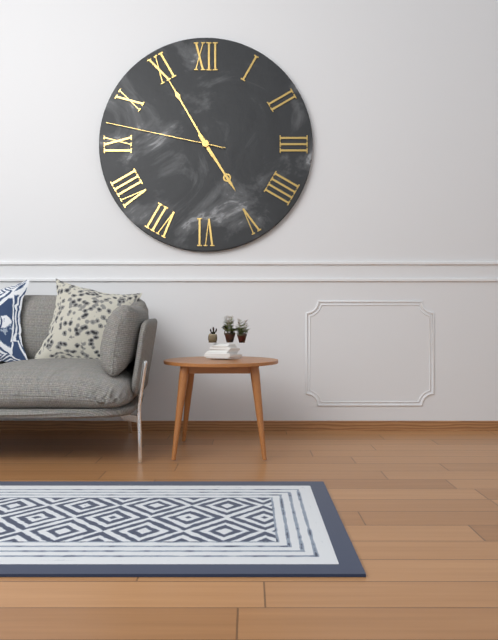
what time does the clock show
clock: 4:55:47
